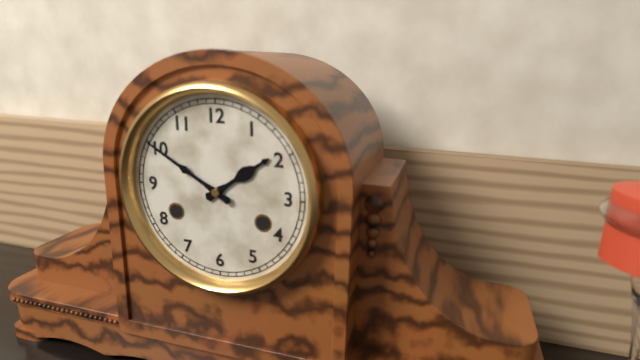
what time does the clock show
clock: 1:50
